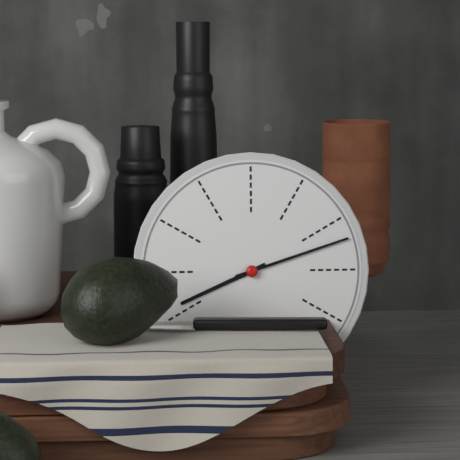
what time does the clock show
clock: 8:12
